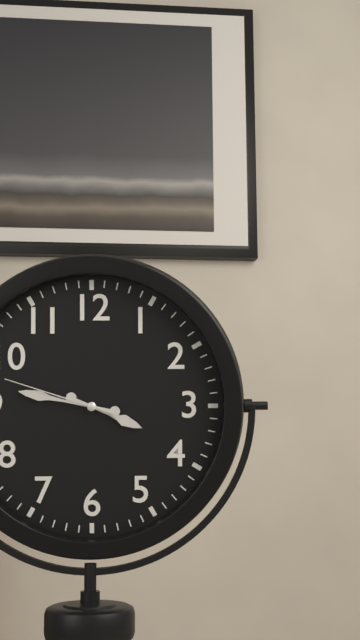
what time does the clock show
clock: 3:47:48
